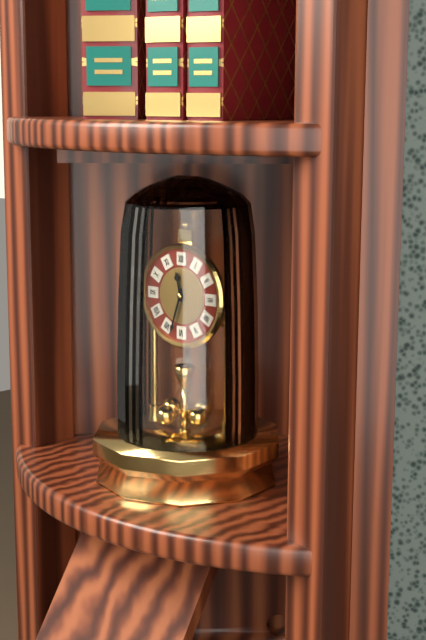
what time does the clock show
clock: 11:33
